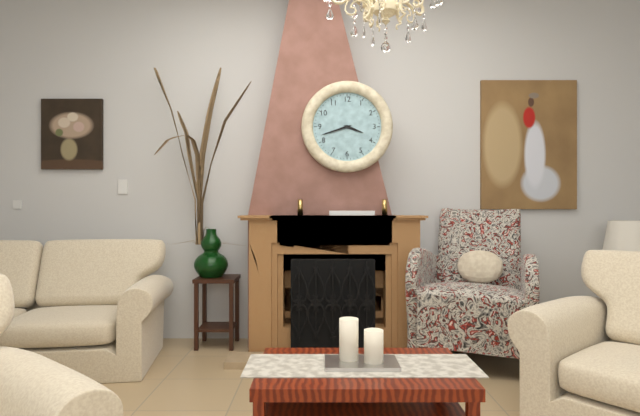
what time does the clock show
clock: 3:42
